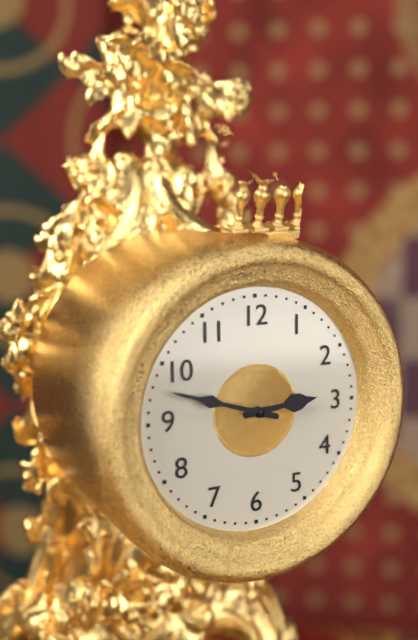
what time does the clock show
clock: 2:48
